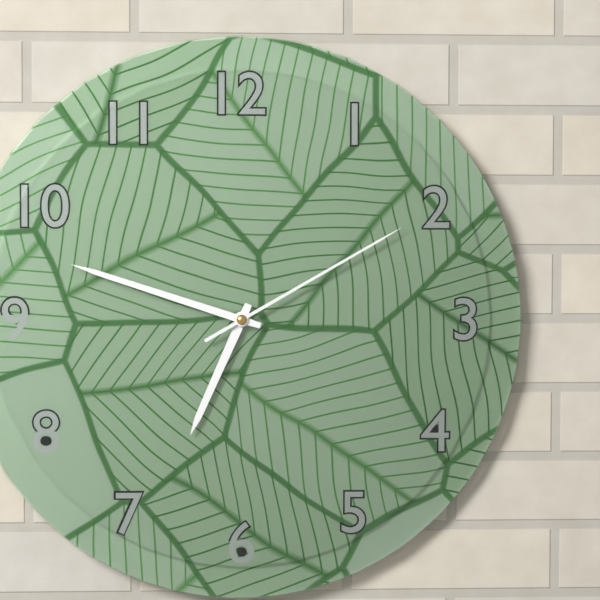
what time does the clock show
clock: 6:48:10
